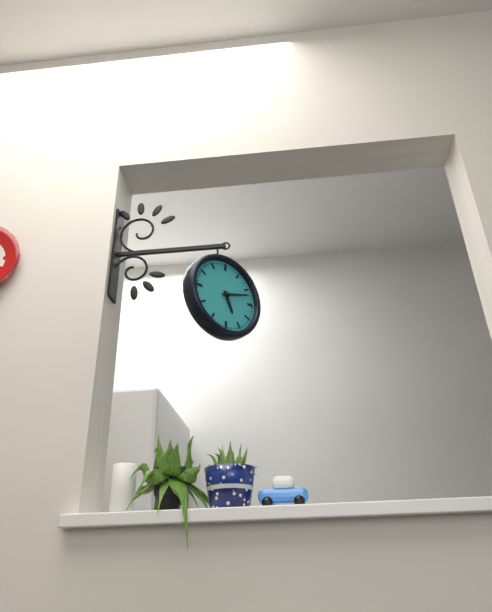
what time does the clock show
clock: 5:12
